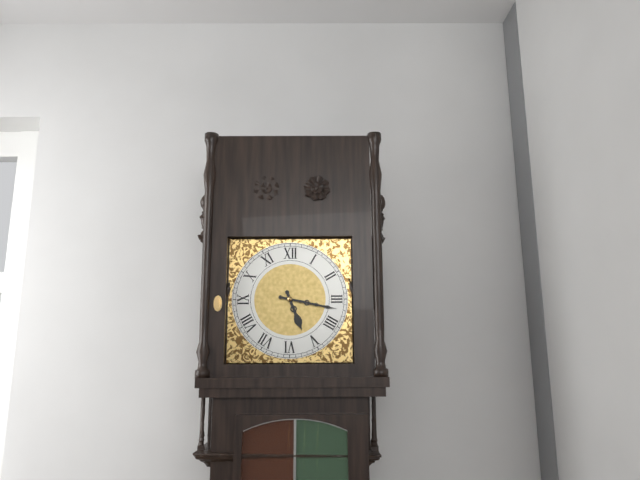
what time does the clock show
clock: 5:17
